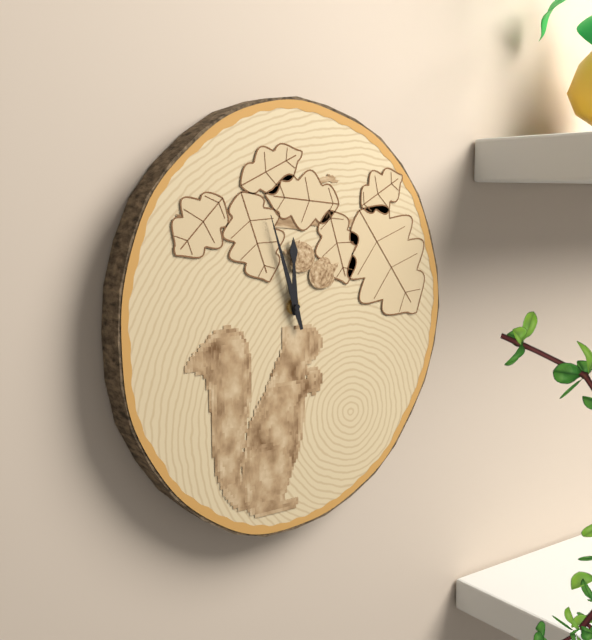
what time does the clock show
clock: 11:57
